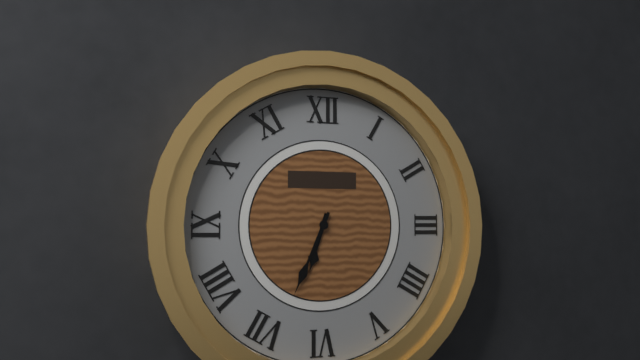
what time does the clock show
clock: 6:34
